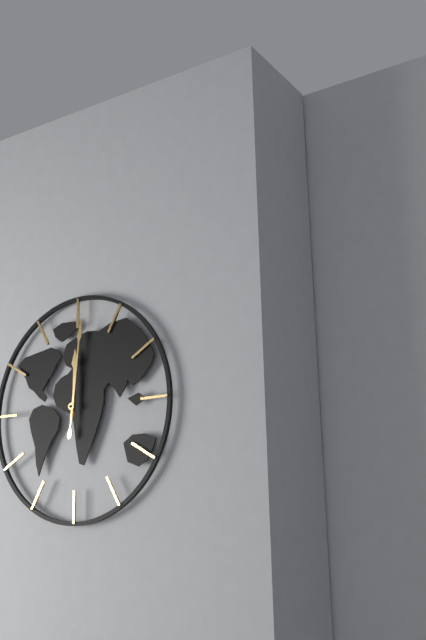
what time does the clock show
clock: 12:01
